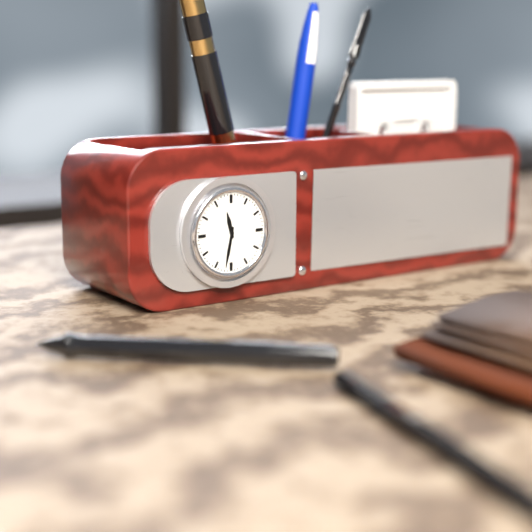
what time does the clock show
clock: 11:32
